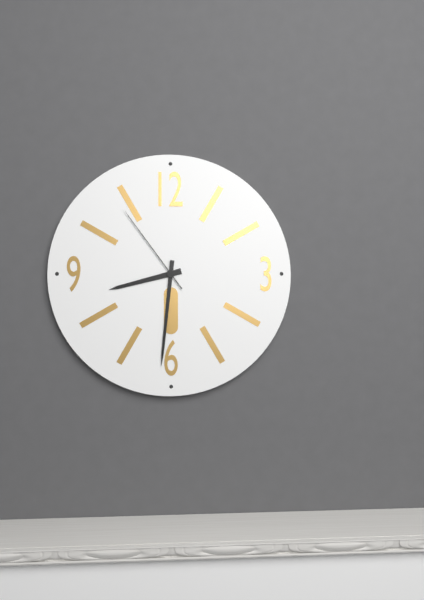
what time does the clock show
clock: 8:31:54
